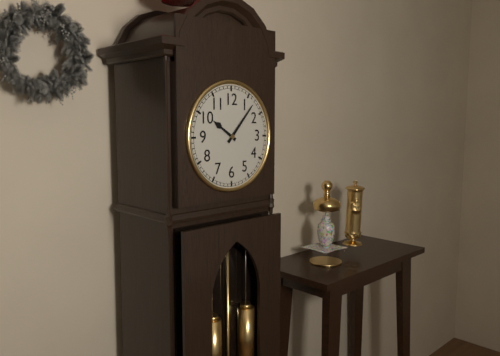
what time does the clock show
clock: 10:07
